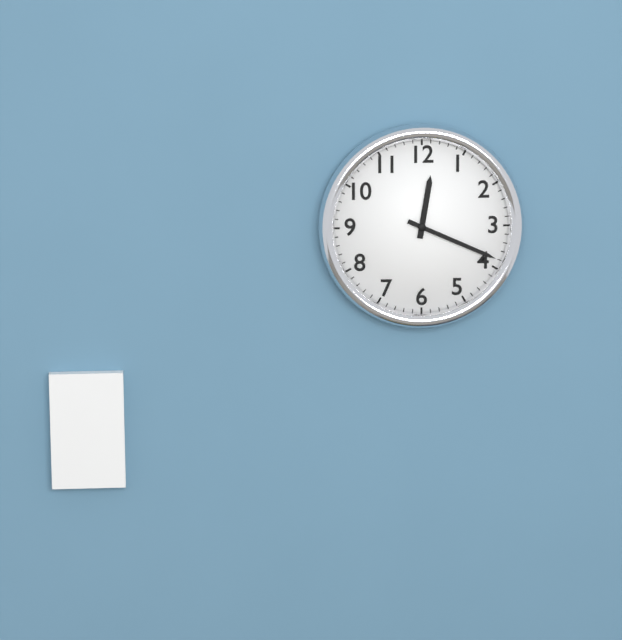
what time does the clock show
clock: 12:19
